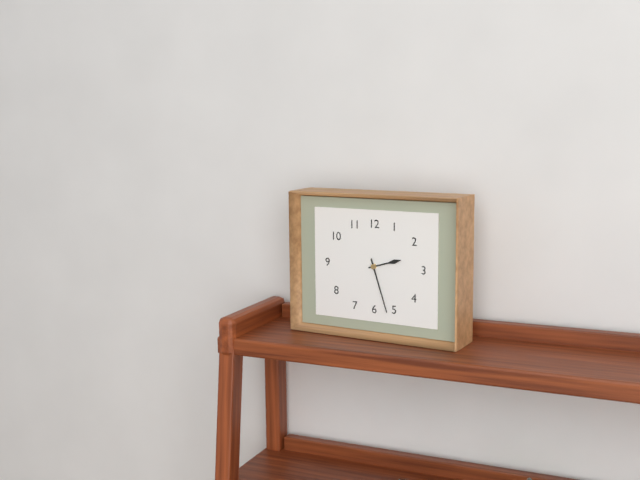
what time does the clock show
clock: 2:27
